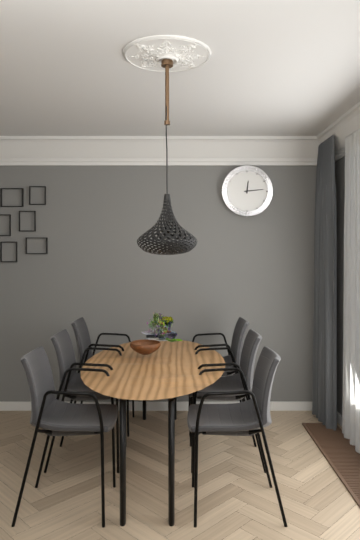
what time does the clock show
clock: 12:14
